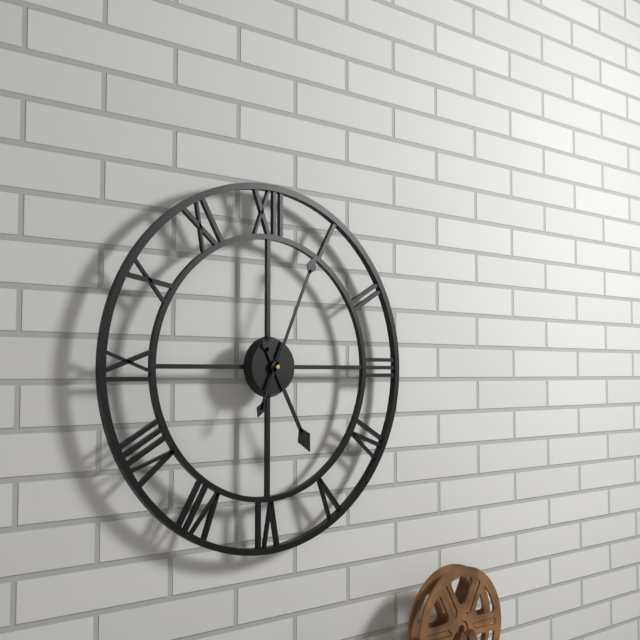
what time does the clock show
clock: 5:04
